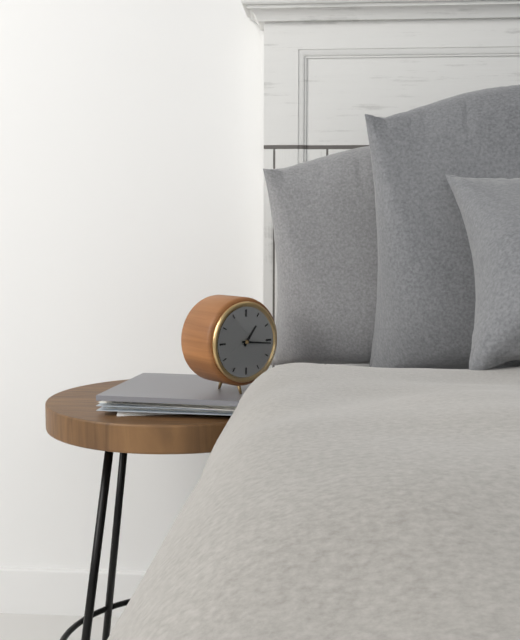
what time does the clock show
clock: 1:16
